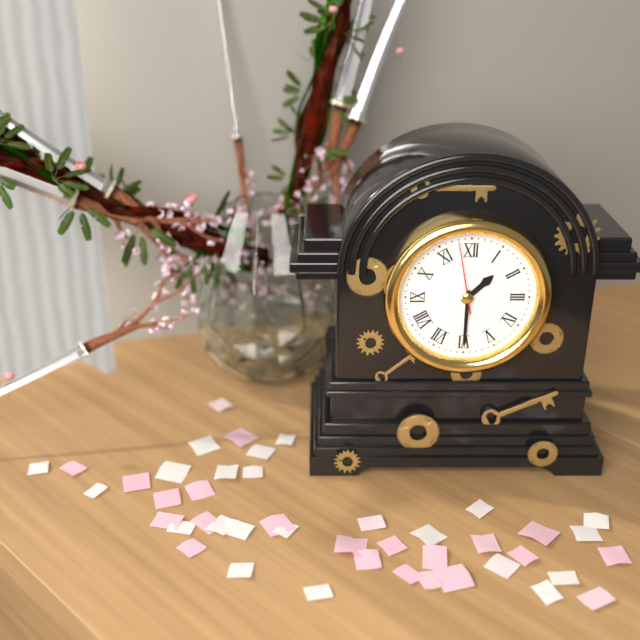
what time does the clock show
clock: 1:30:58
